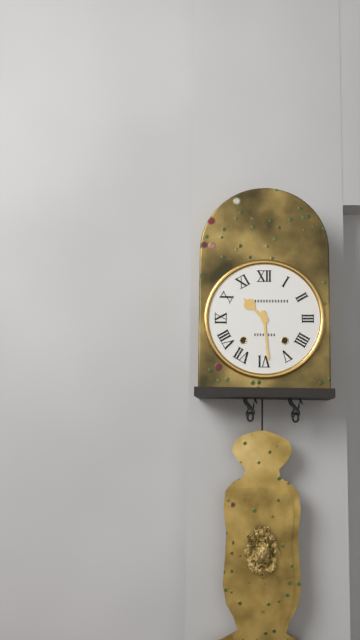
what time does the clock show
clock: 10:29
